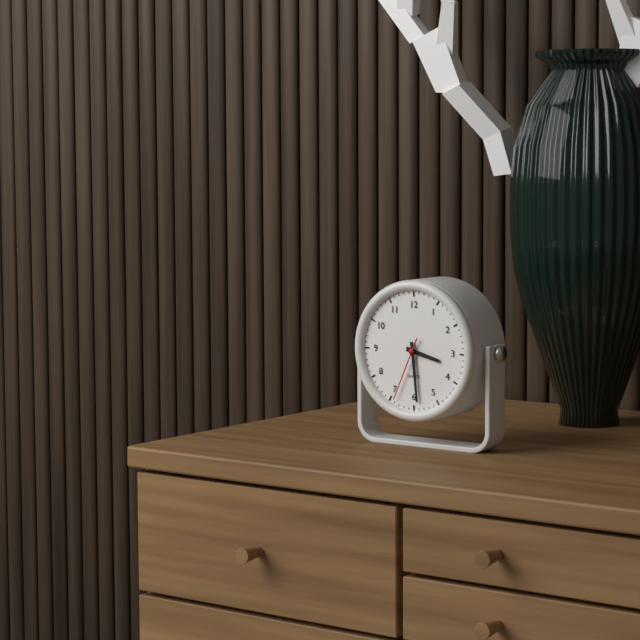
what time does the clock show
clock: 3:29:34
